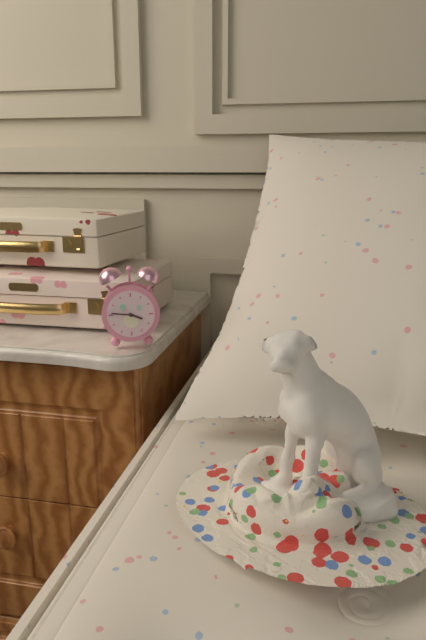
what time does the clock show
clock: 3:46
